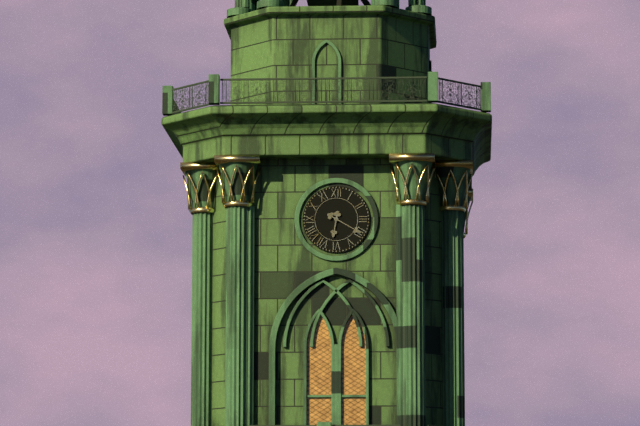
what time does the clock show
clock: 6:20
